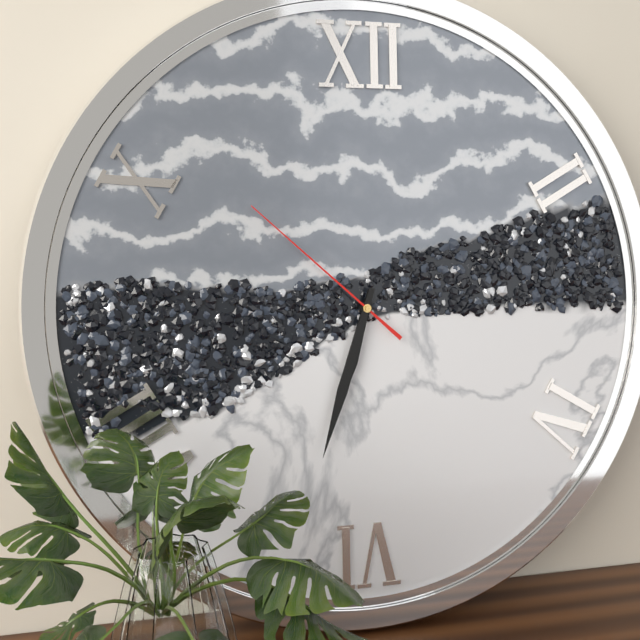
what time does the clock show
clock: 6:33:52
